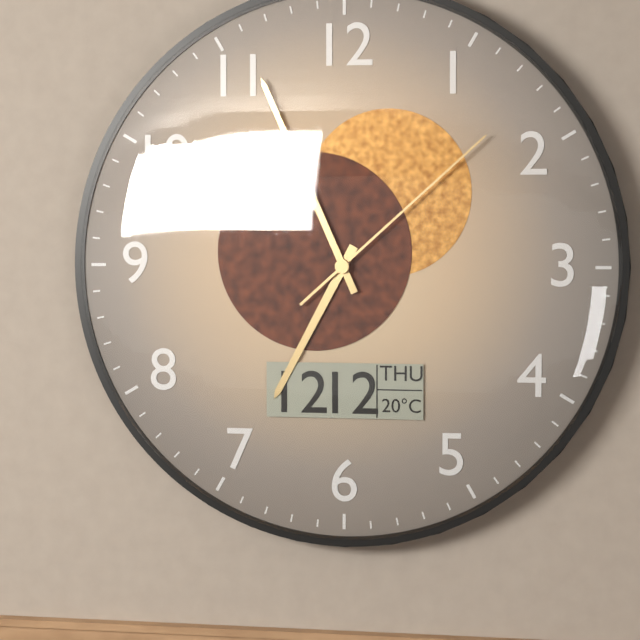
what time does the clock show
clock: 6:56:08
